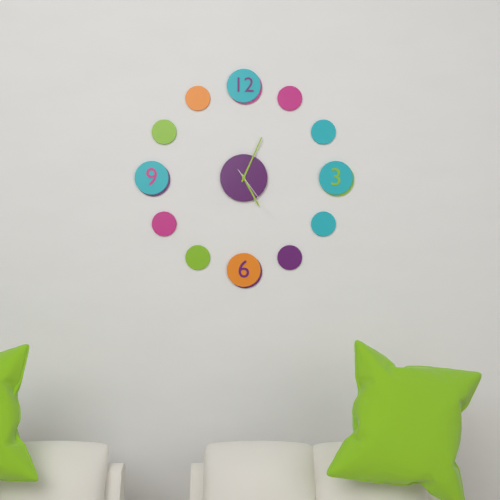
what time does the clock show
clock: 5:04:24
